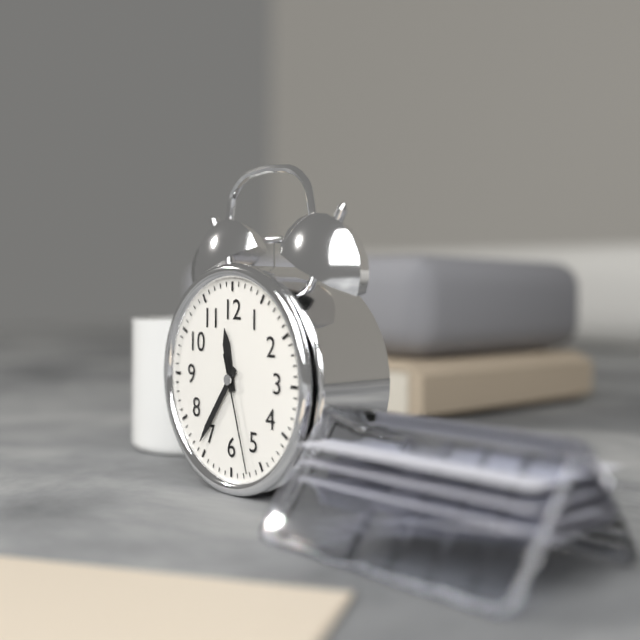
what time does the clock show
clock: 11:36:27
